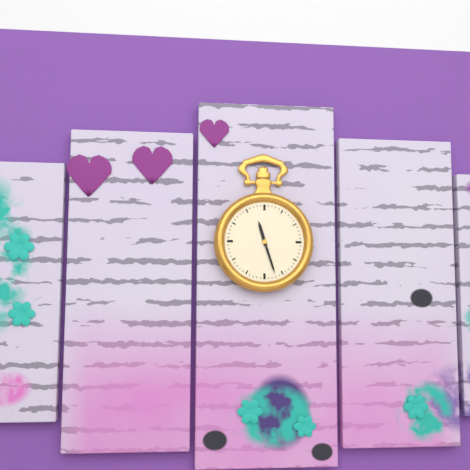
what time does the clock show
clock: 11:27
